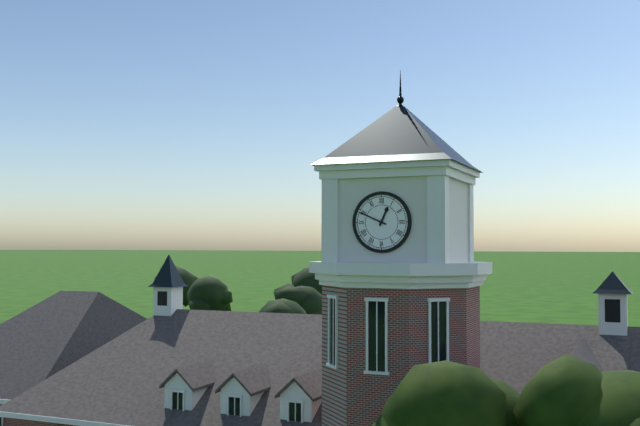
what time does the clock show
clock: 12:49
